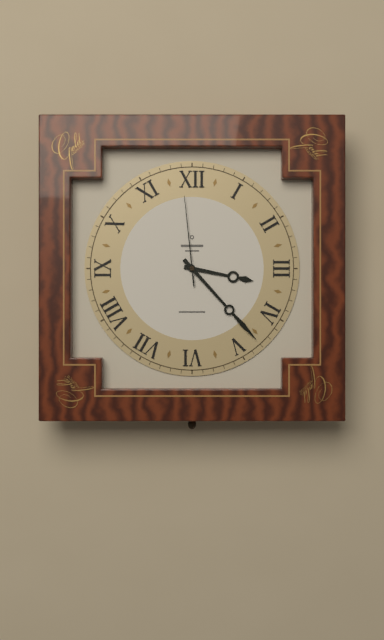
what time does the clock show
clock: 3:23:59
